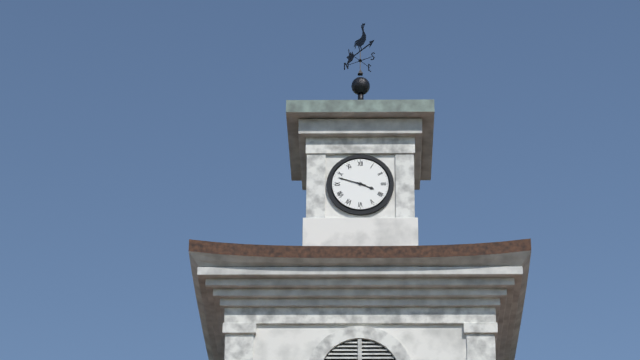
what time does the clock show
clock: 3:48
